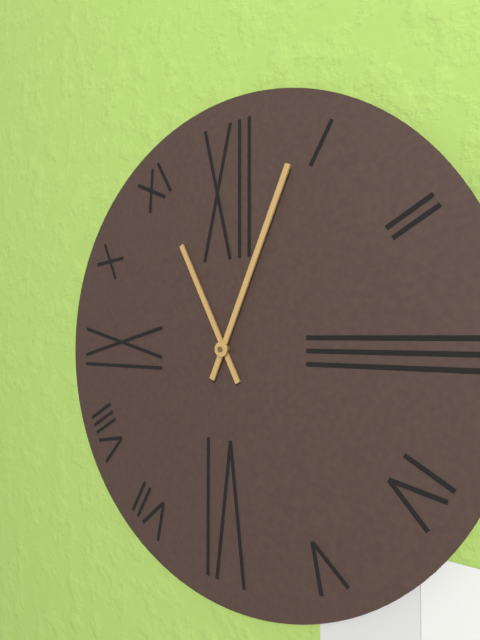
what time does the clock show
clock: 11:04
